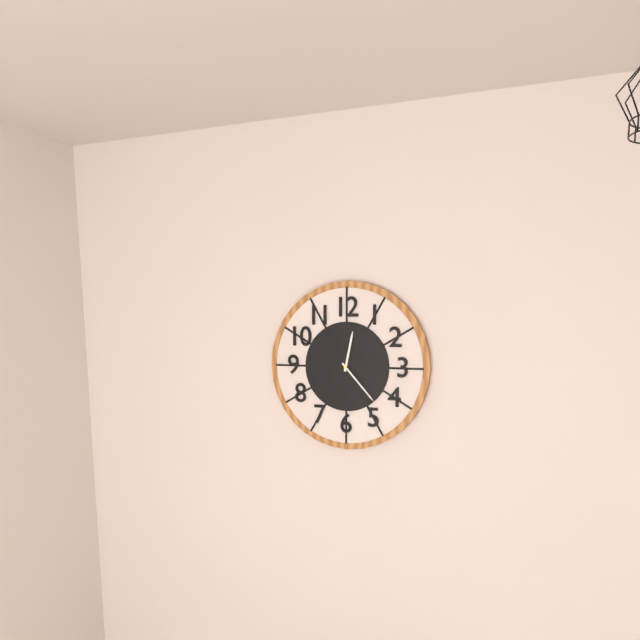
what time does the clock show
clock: 12:23
